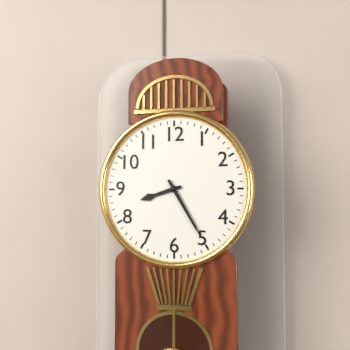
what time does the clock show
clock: 8:25
